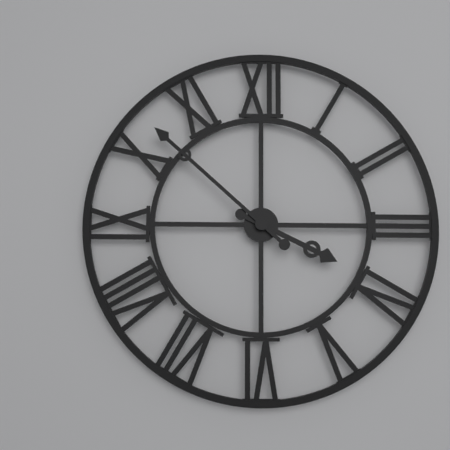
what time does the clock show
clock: 3:52
